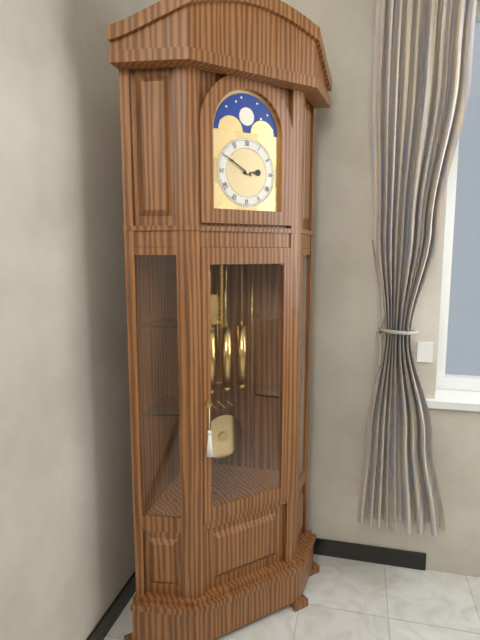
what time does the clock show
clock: 2:50
